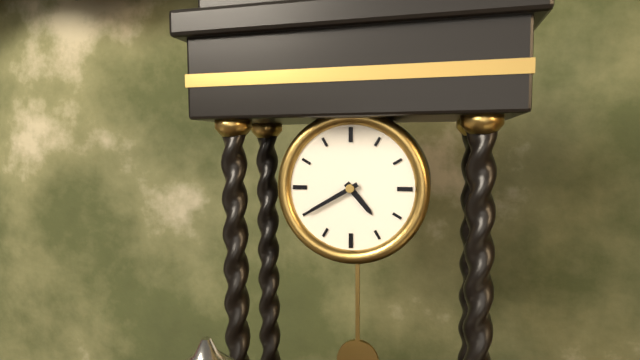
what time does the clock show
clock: 4:40
